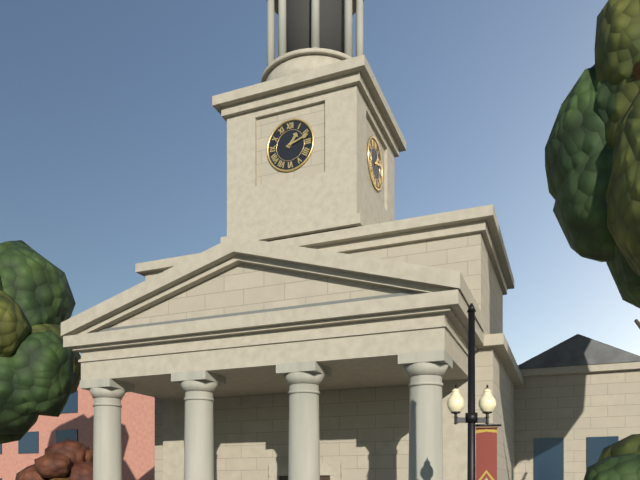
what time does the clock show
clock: 1:12
